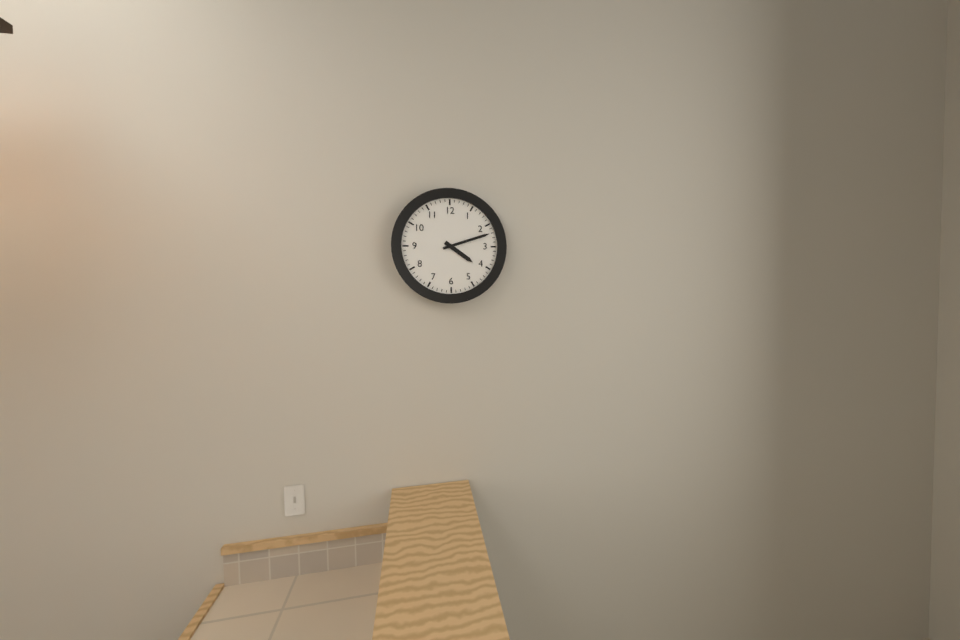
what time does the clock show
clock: 4:12
